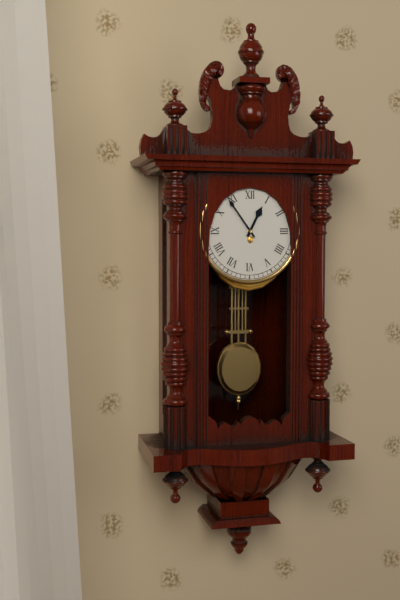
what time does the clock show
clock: 12:54
